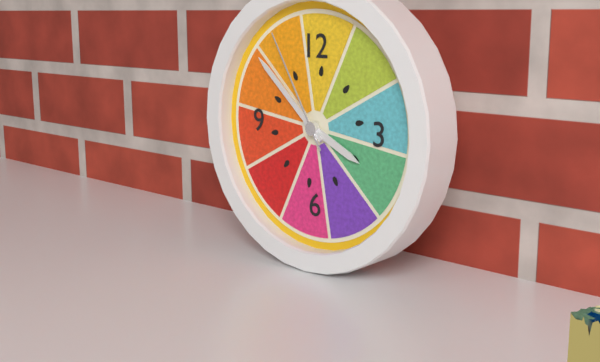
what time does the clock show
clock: 3:52:55
